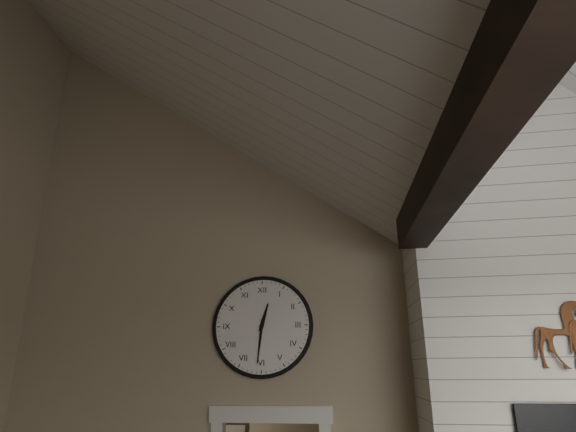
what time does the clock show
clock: 12:31
